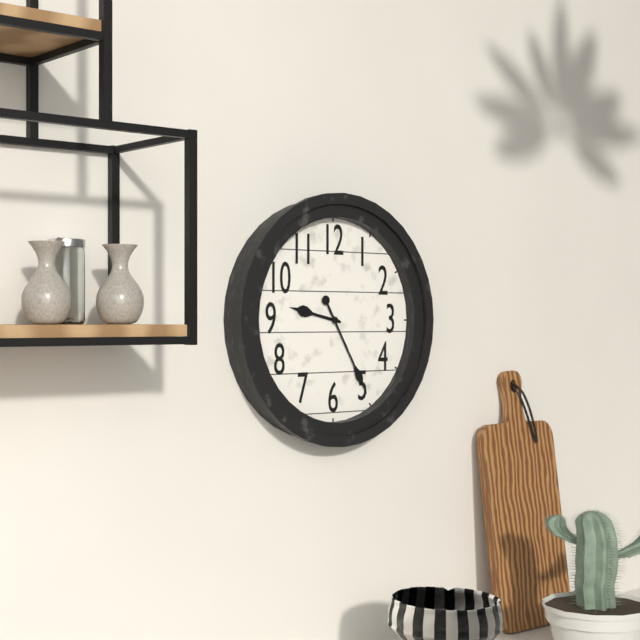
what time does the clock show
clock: 9:25
